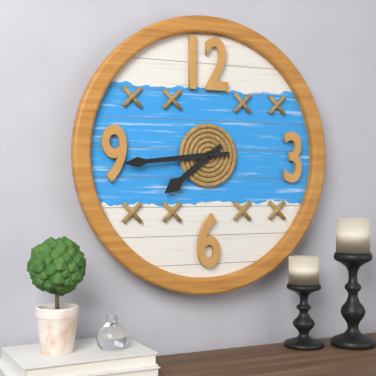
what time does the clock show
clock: 7:44
